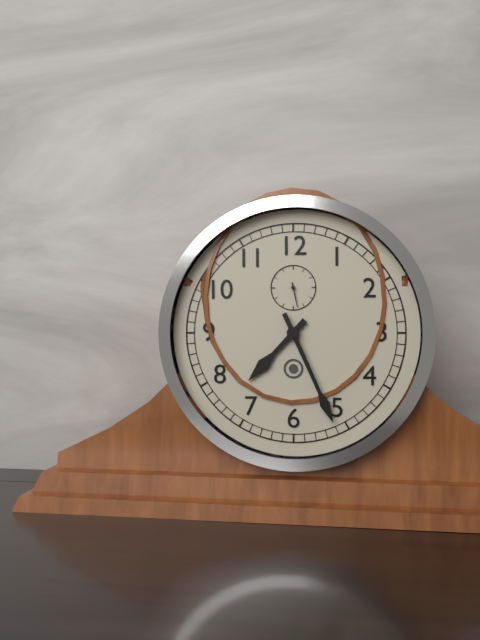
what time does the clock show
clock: 7:26
